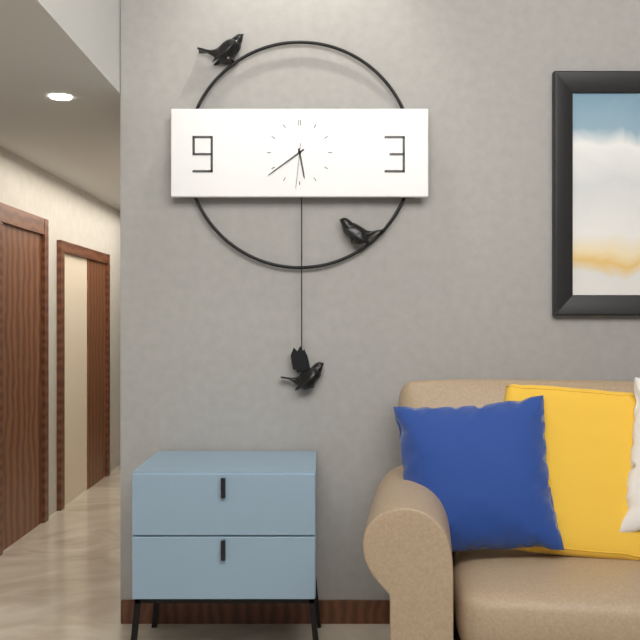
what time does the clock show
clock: 5:39
